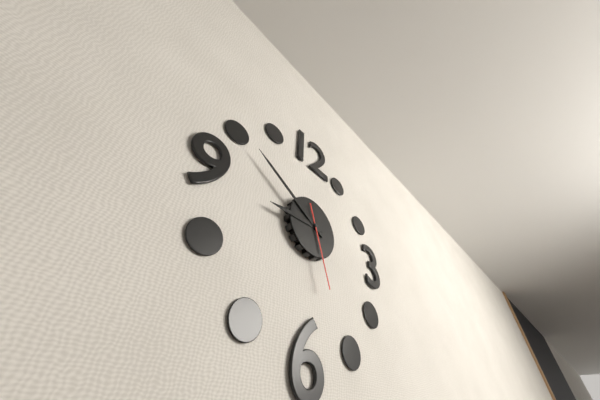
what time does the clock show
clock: 8:50:27
